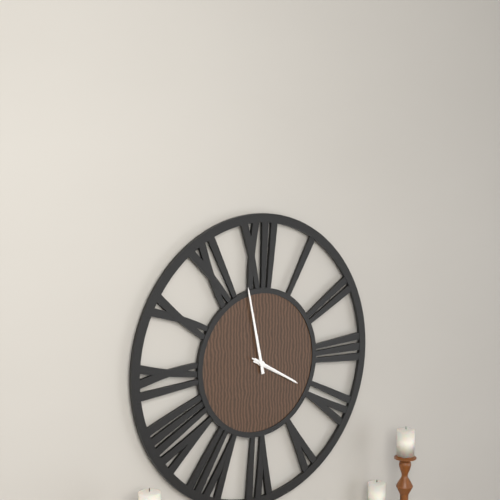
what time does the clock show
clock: 3:58:20
